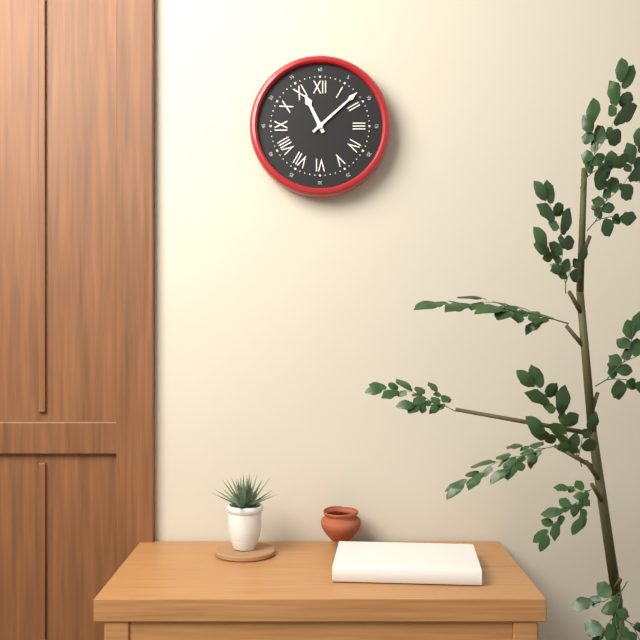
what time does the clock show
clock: 11:08
